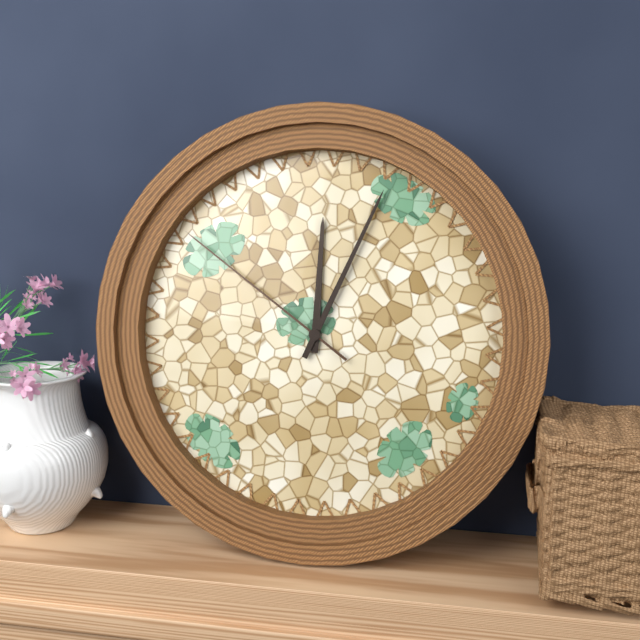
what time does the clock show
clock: 12:04:51
